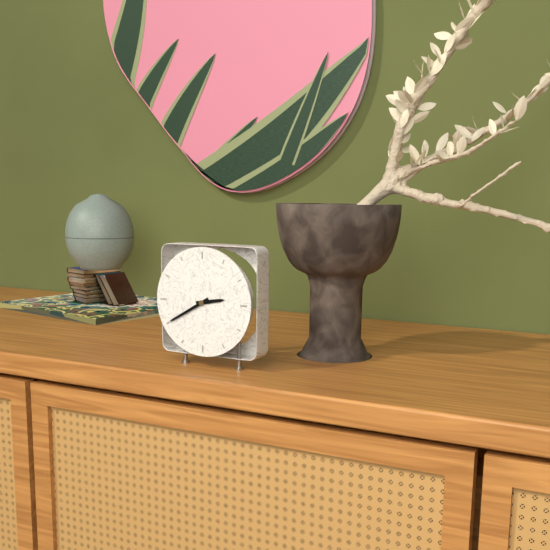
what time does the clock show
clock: 2:40
